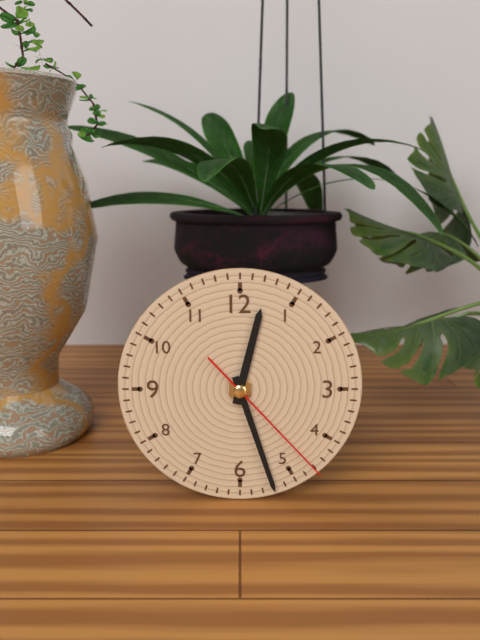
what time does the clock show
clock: 12:27:23
